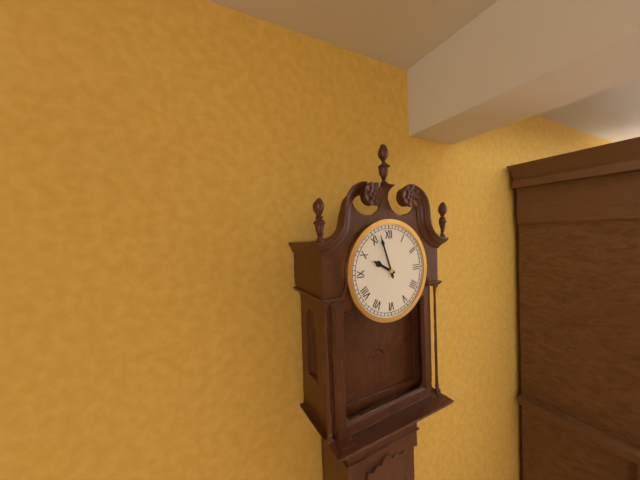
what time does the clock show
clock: 9:57
